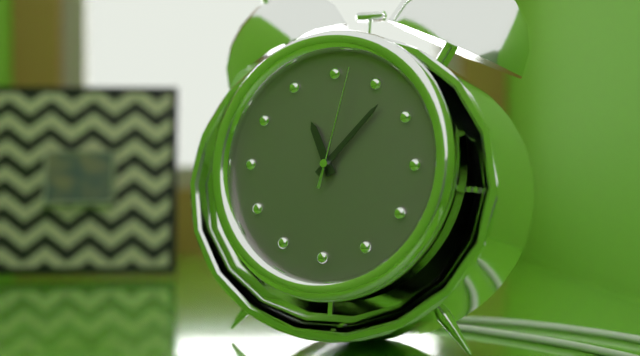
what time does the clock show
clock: 11:07:02
